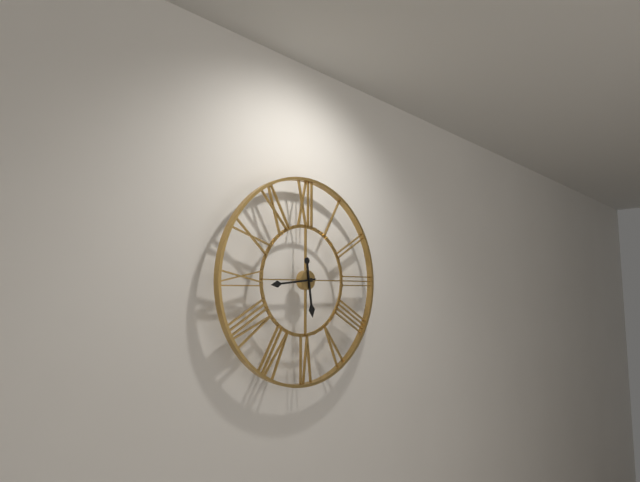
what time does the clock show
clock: 5:44
